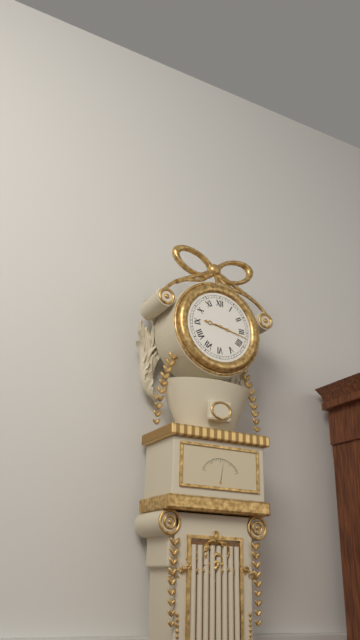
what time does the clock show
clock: 9:17
